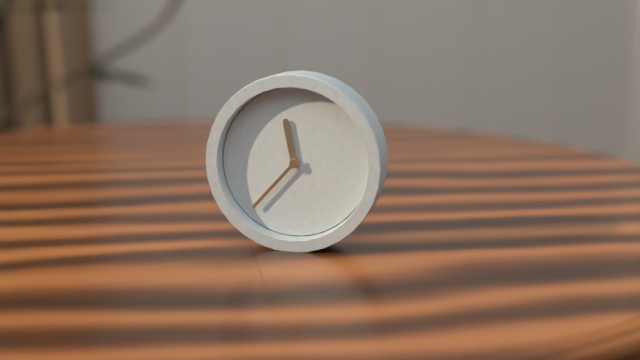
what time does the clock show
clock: 11:37
